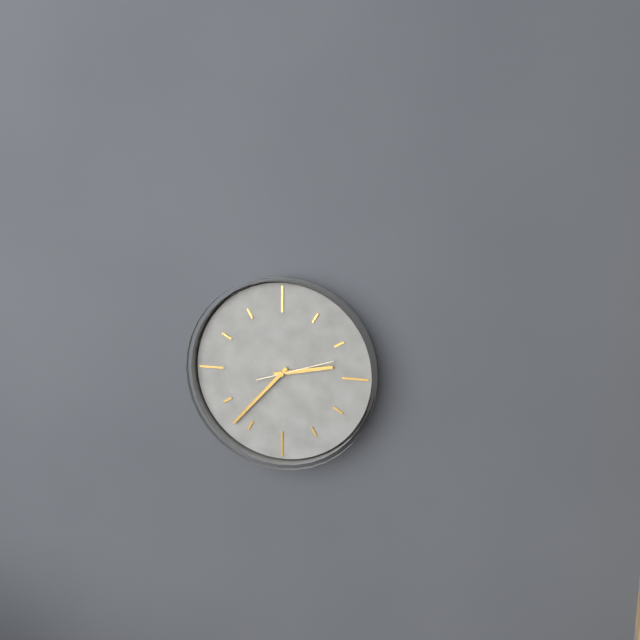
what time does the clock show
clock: 2:37:12
